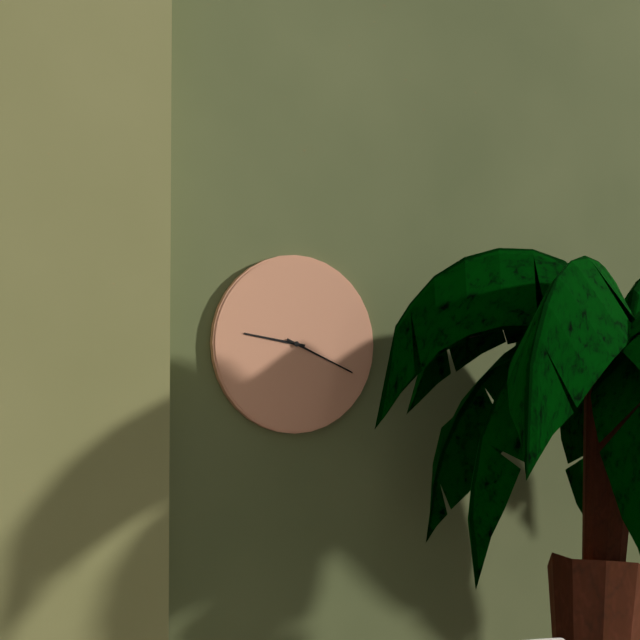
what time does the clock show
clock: 9:19
